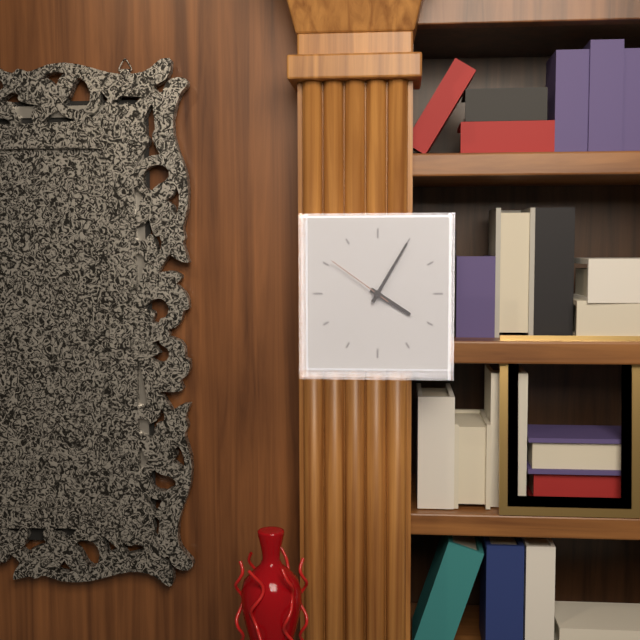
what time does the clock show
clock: 4:05:51
